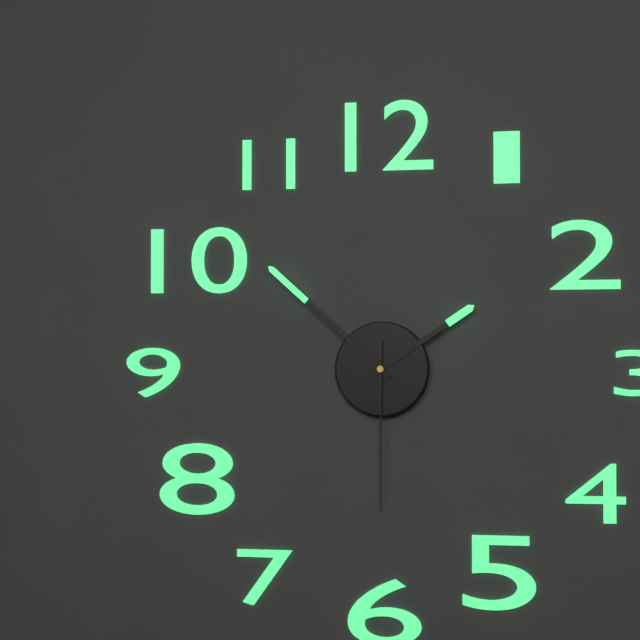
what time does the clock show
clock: 1:52:30
